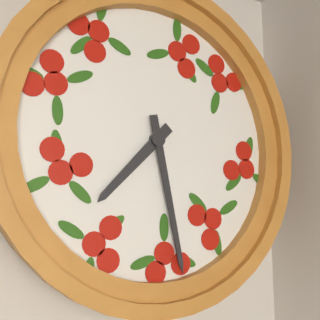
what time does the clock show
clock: 7:28
